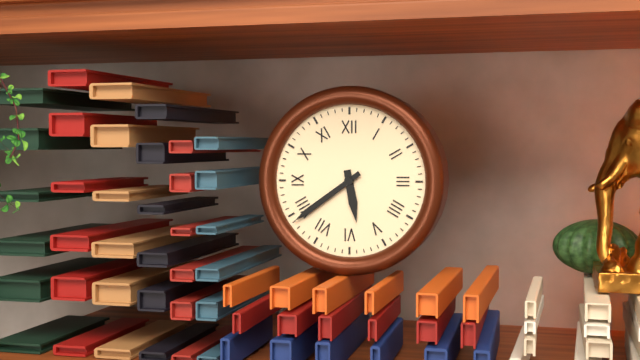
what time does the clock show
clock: 5:39
